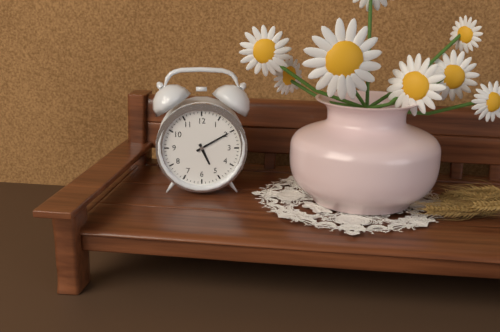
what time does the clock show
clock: 5:10
